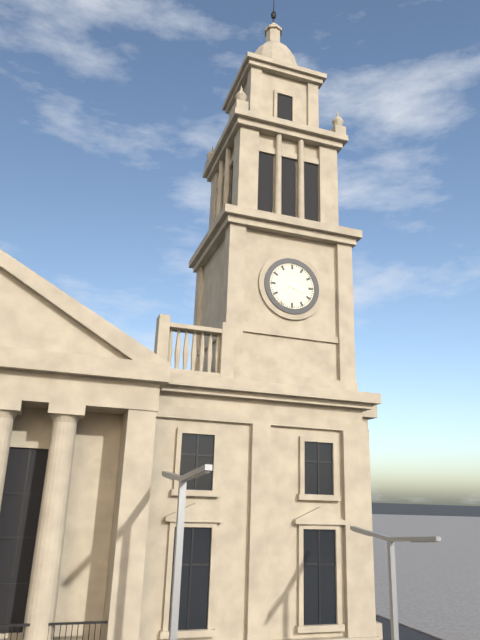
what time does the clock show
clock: 3:35
